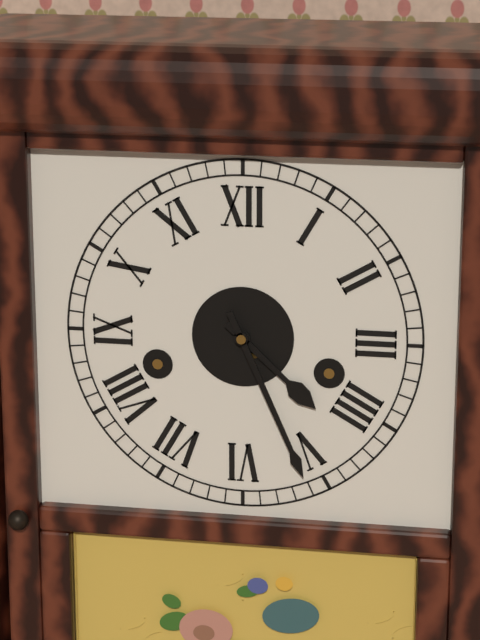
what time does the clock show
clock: 4:26
